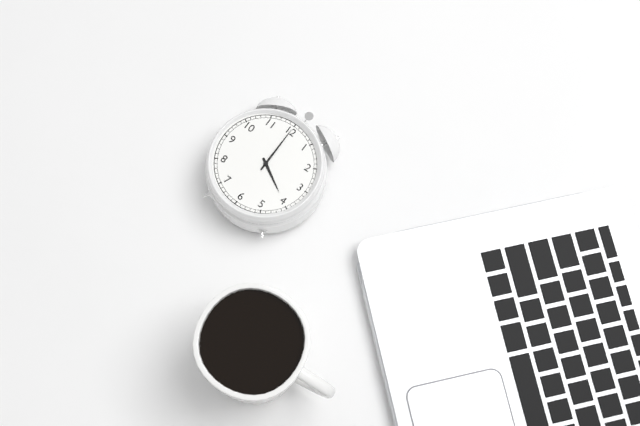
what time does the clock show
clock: 4:00
